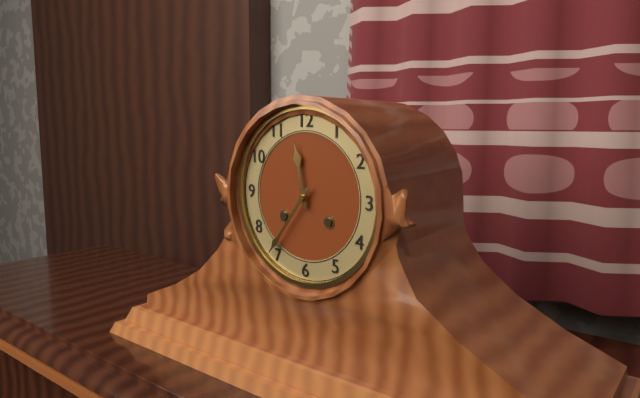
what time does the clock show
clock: 11:36
